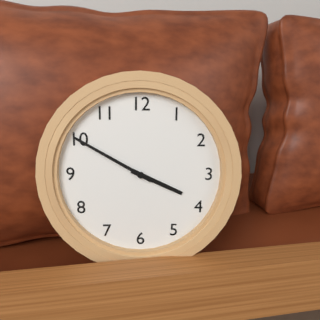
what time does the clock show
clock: 3:50
